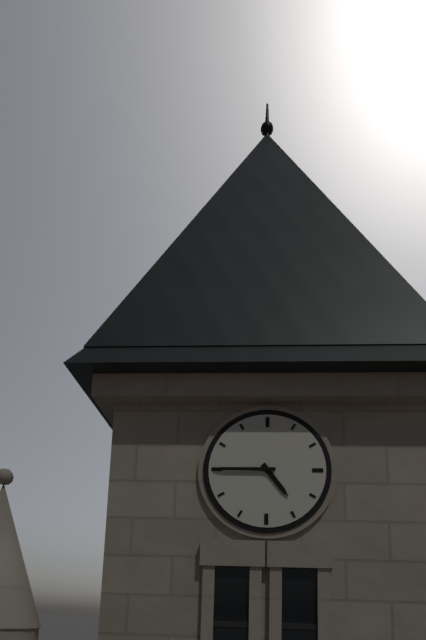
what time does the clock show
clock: 4:45
